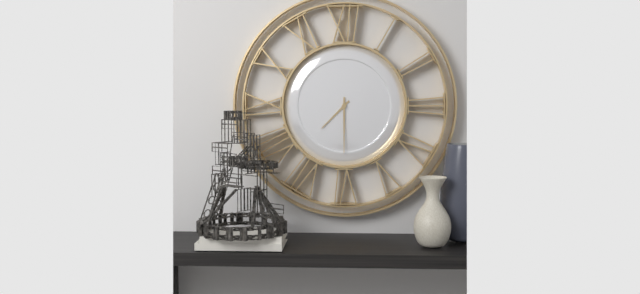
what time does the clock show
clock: 7:30
